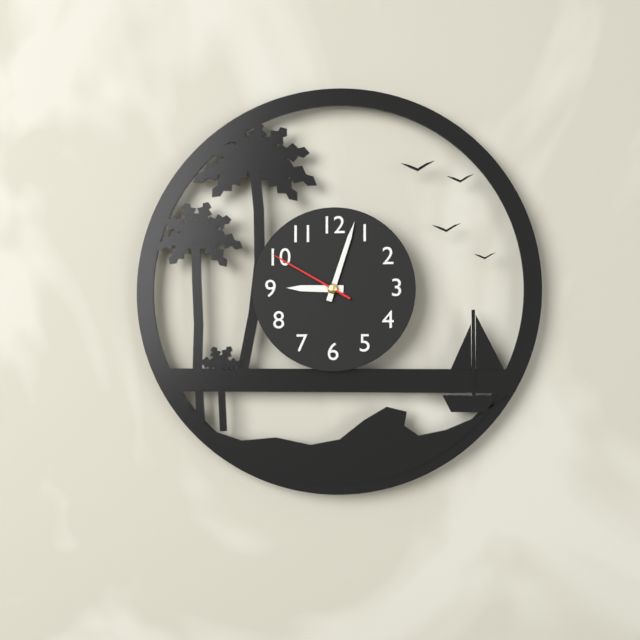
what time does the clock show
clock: 9:03:50
